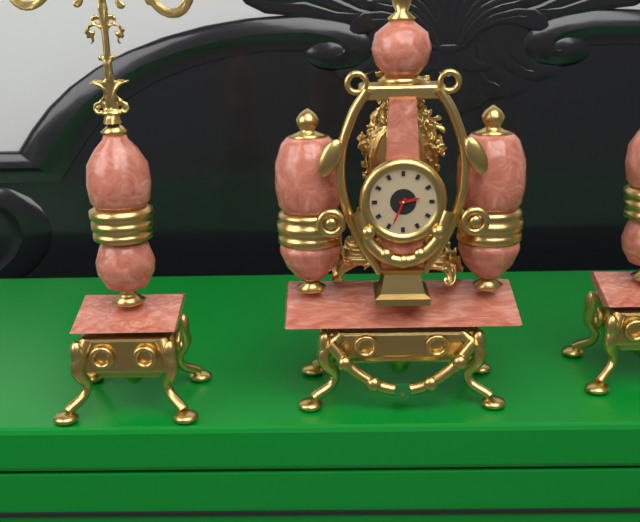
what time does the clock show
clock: 2:34
